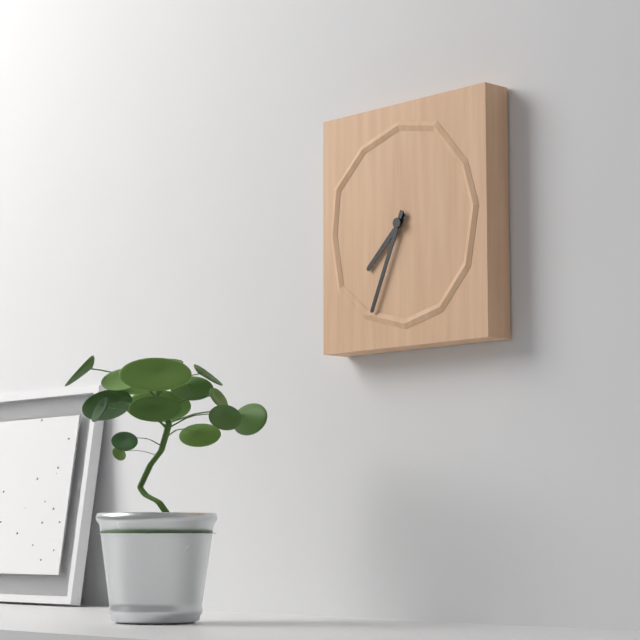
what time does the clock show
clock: 7:34
